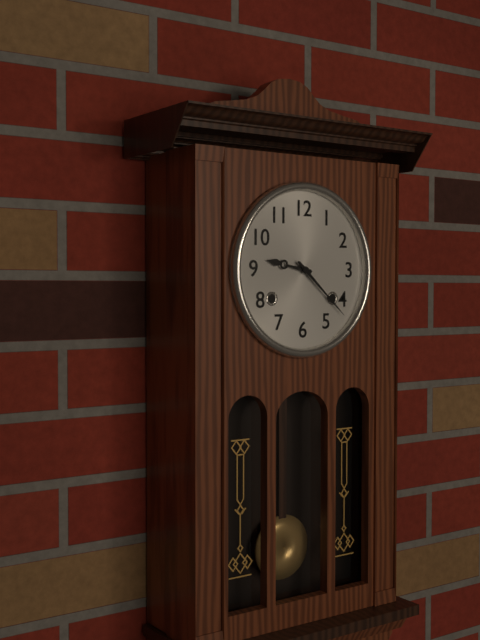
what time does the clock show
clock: 9:22
